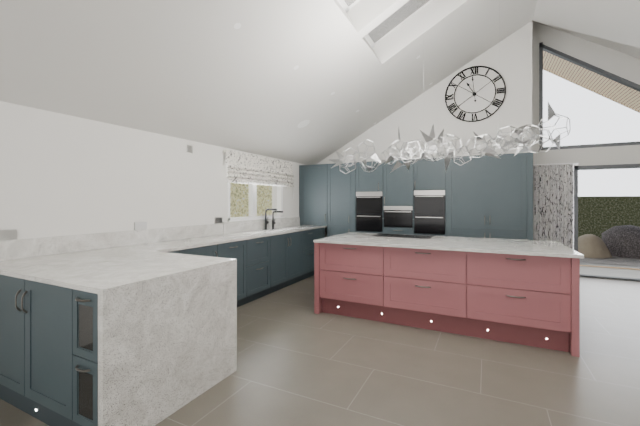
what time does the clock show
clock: 10:59
